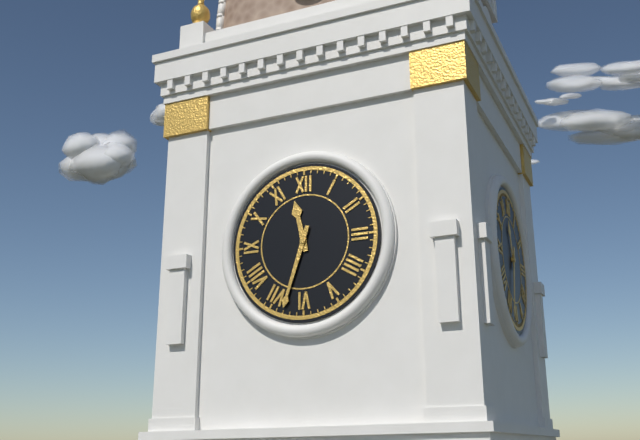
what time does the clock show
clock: 11:33
